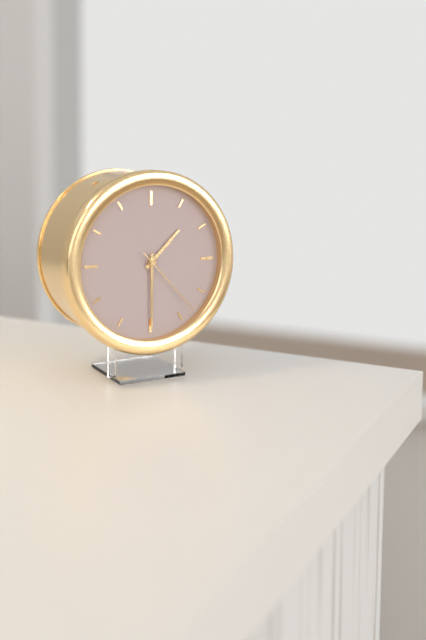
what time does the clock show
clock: 1:30:23
